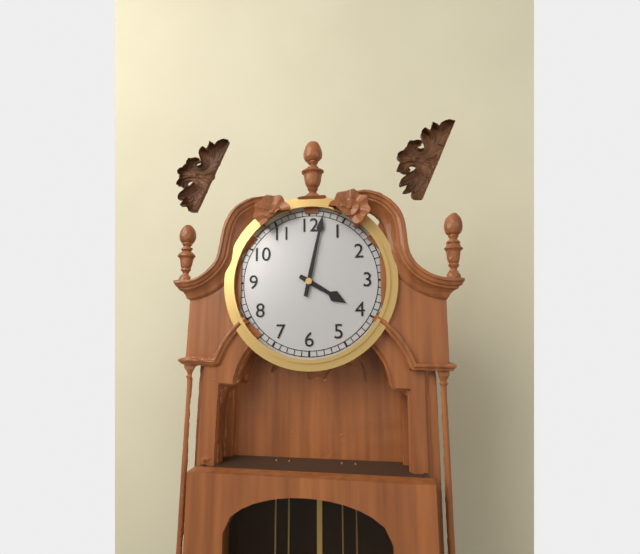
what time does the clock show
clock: 4:02
